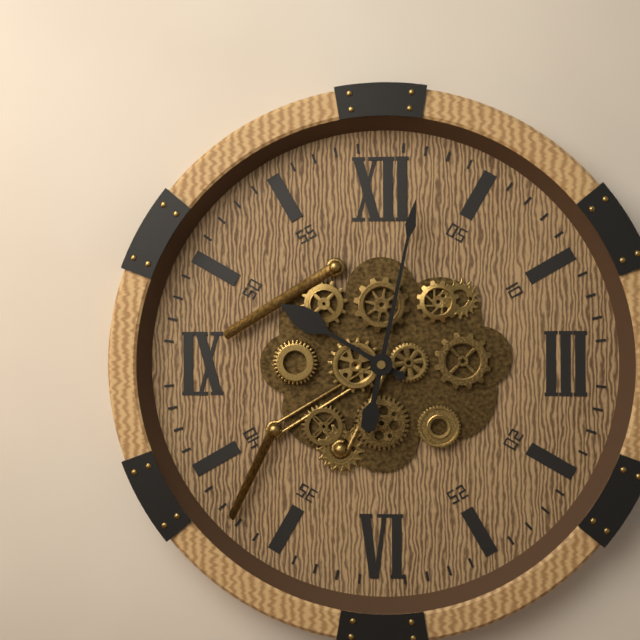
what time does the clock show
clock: 10:02
